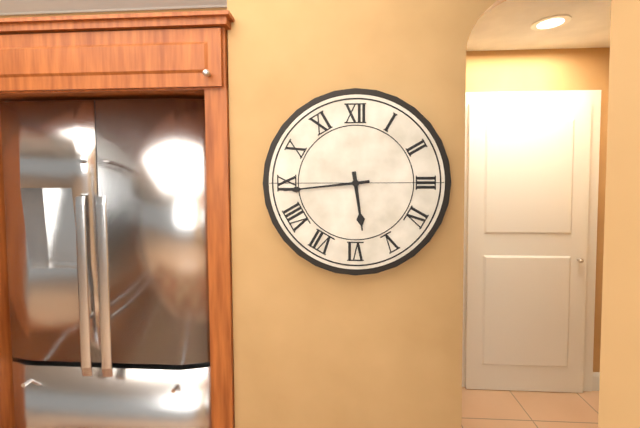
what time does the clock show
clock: 5:44
